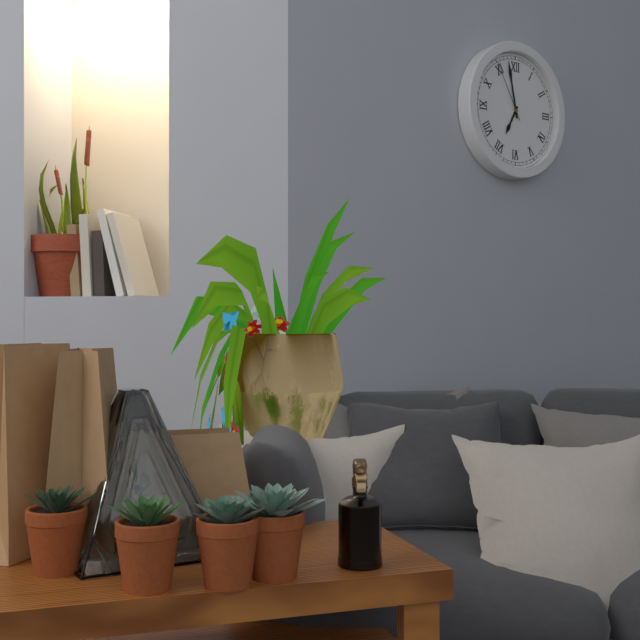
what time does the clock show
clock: 6:58:55
